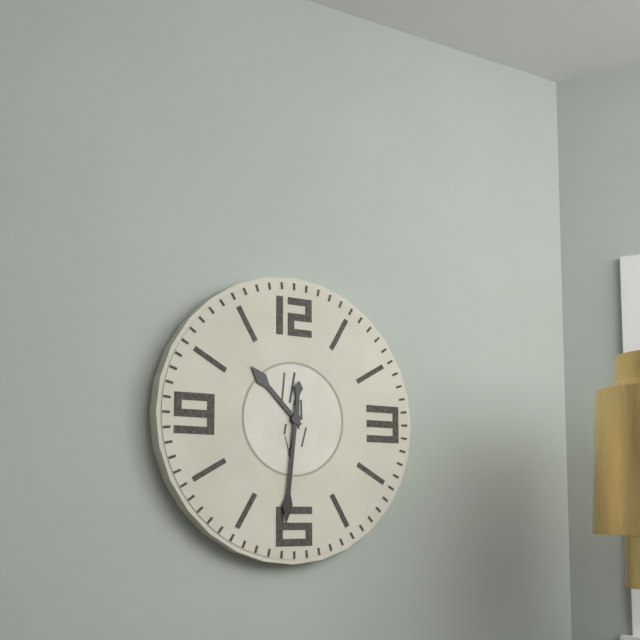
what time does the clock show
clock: 10:31
